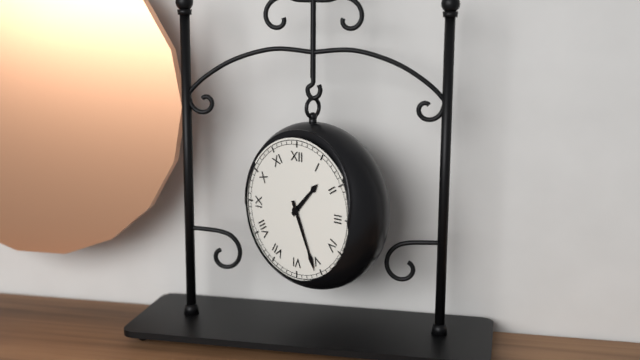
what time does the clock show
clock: 1:26
